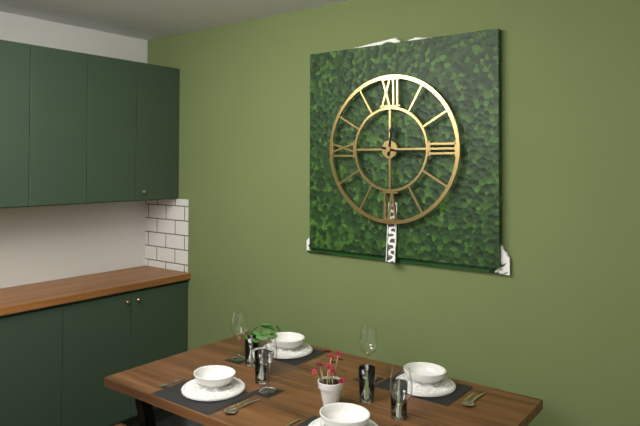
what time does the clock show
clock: 12:17
